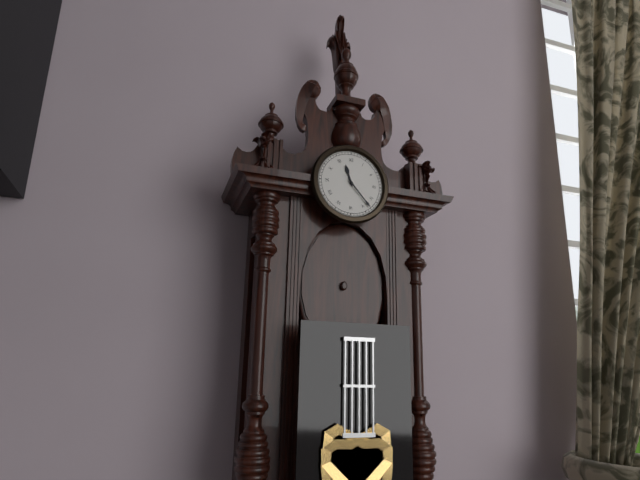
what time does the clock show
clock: 11:23
